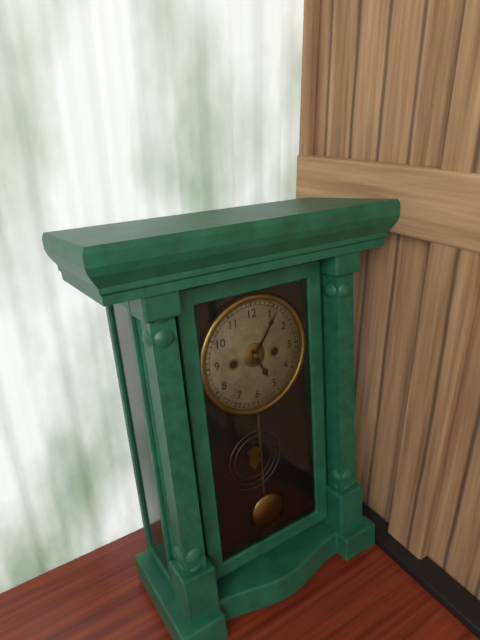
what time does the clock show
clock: 5:06
